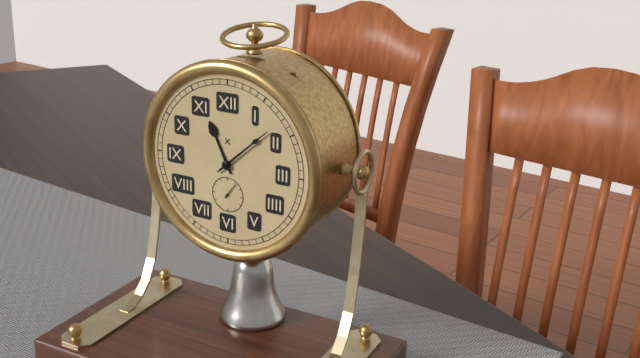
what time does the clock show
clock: 11:08
